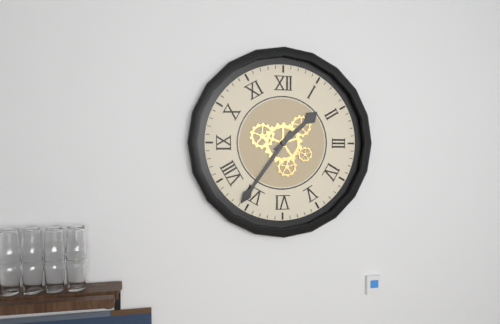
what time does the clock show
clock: 1:36
